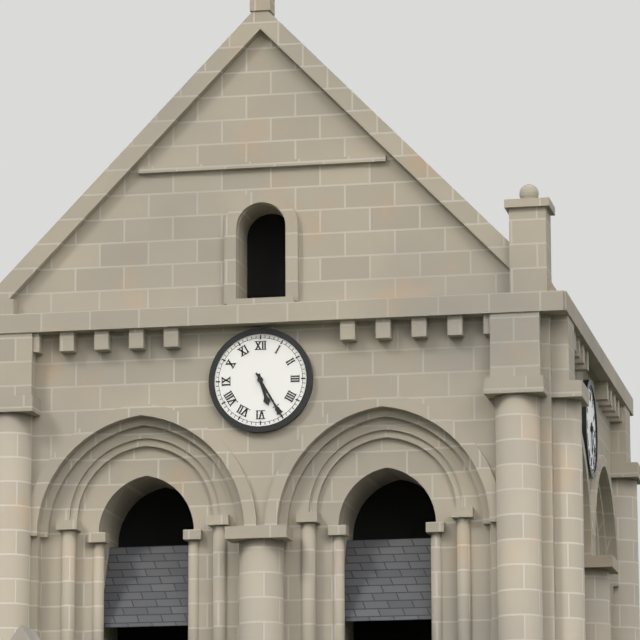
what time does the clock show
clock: 5:25
